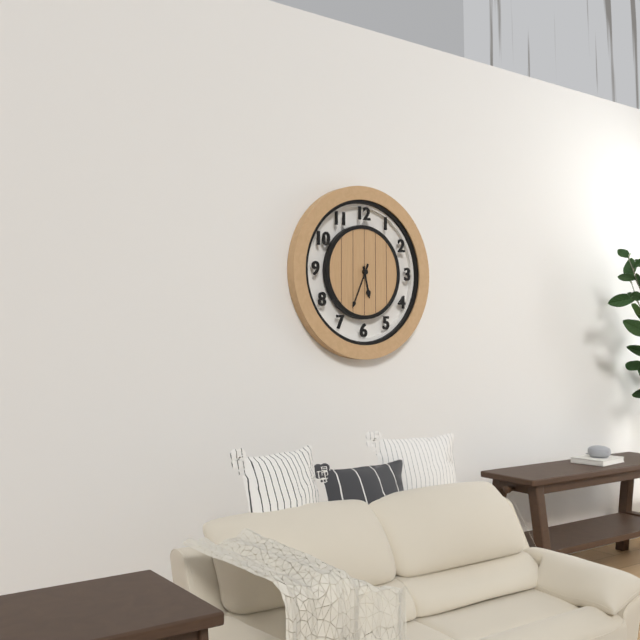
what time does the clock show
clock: 5:34
